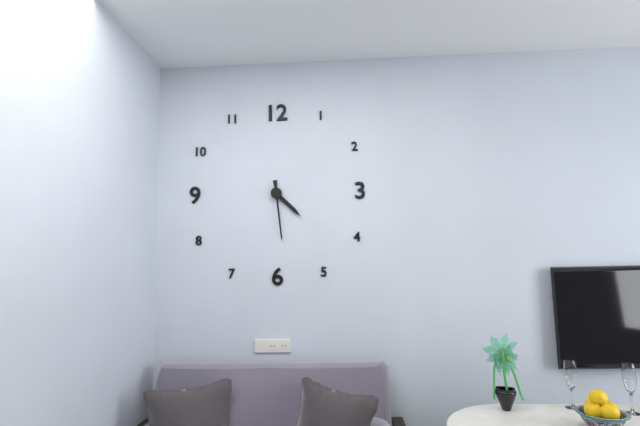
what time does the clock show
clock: 4:29
